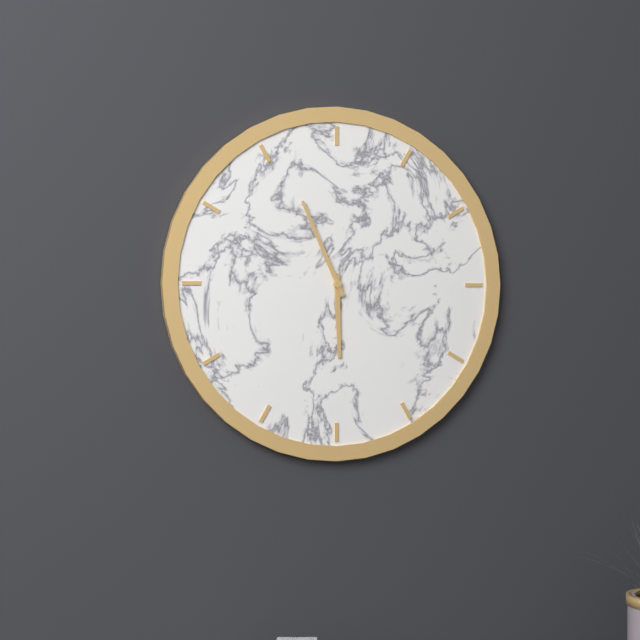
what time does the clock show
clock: 5:56
